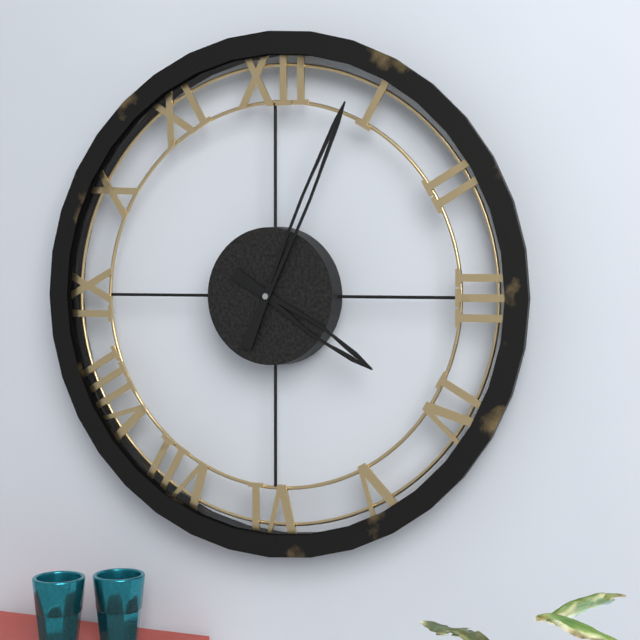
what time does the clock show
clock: 4:04
